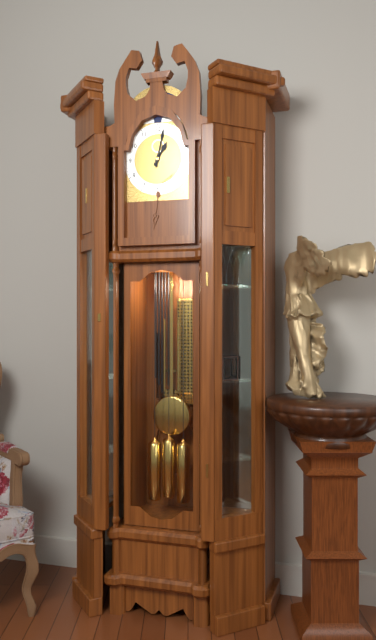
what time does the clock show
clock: 1:02
